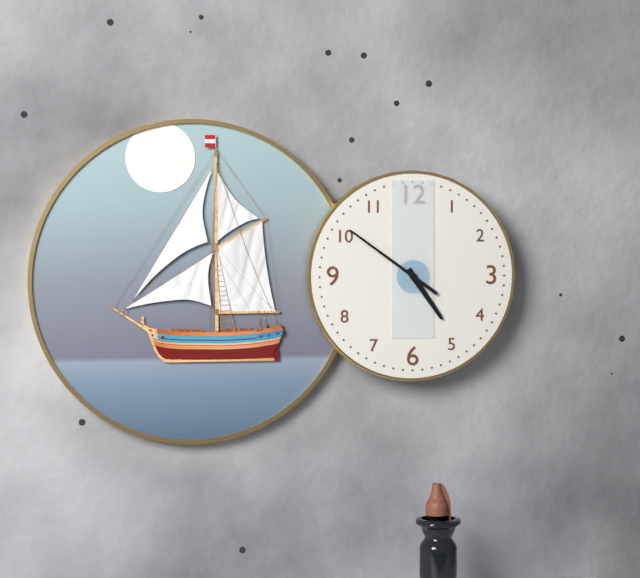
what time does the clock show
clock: 4:51
